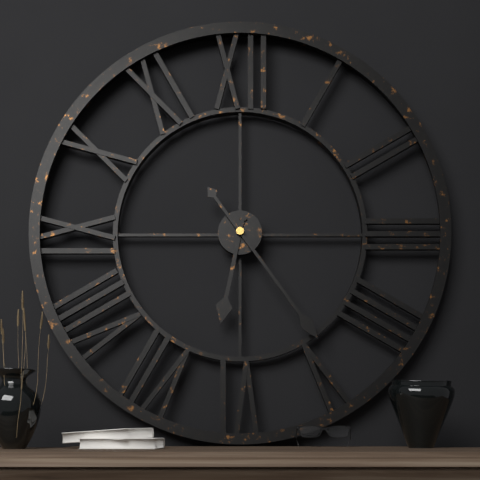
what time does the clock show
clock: 6:24
